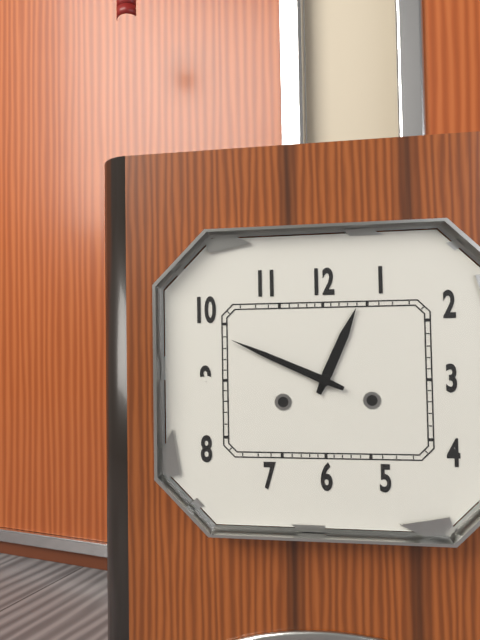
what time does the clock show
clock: 12:49
